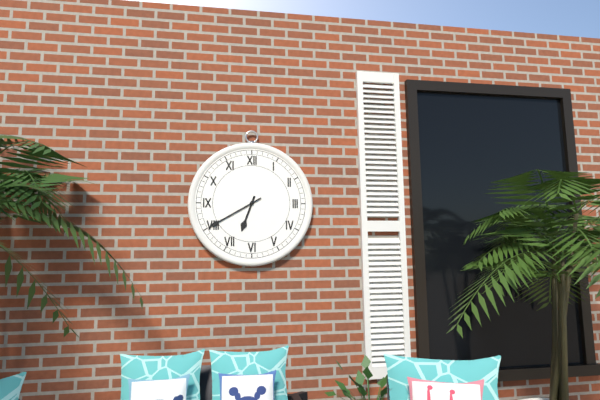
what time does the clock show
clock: 6:40
